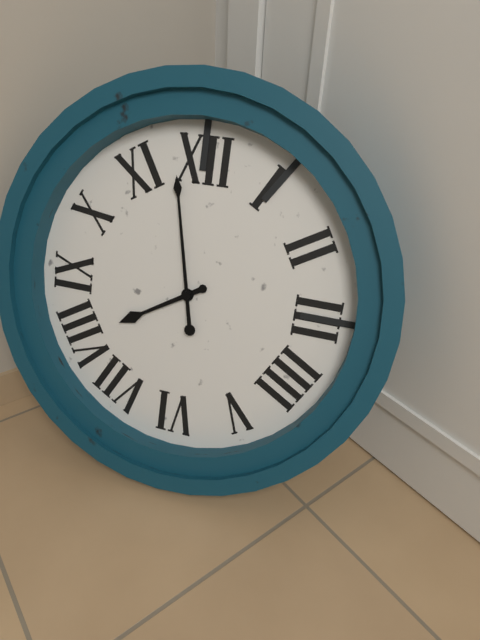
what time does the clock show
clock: 7:58
